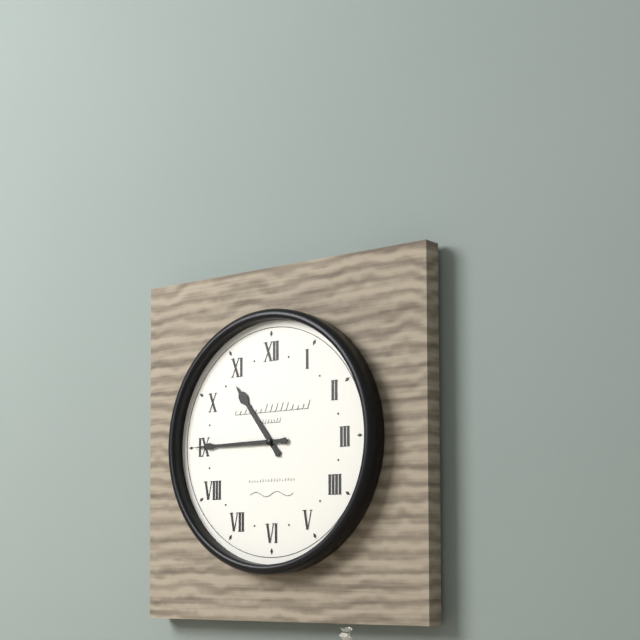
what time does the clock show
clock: 10:45
